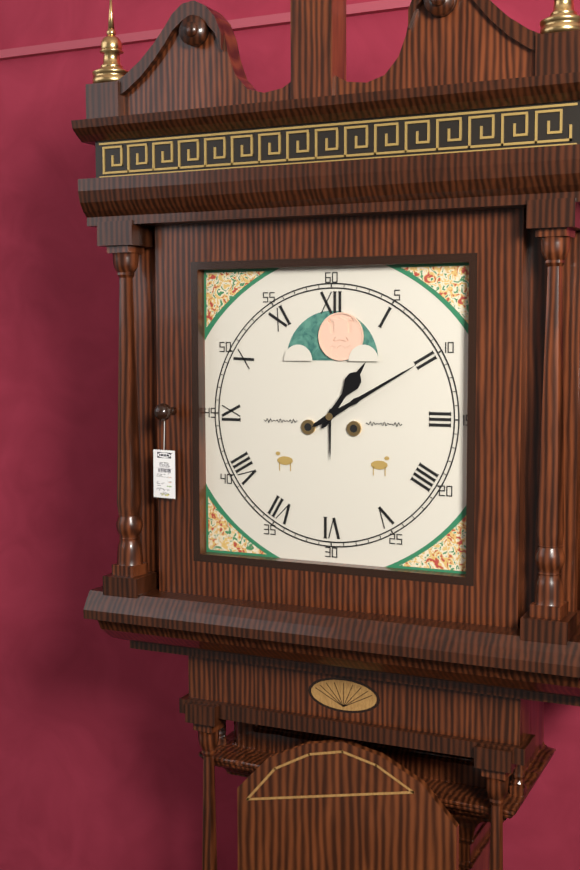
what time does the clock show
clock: 1:10
